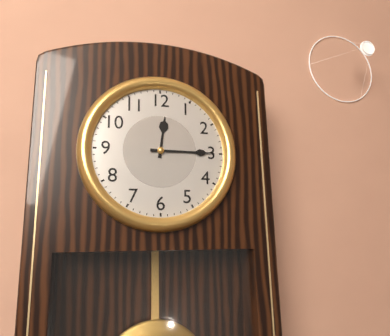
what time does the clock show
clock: 12:15
